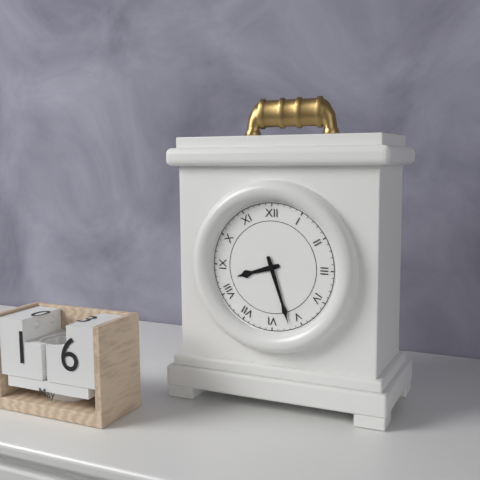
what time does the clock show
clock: 8:27
